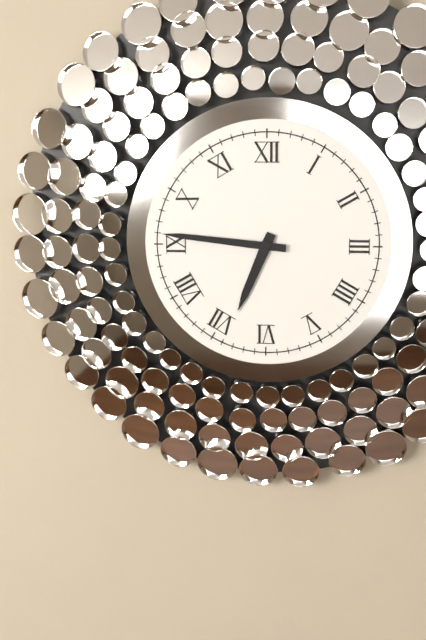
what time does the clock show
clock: 6:46
